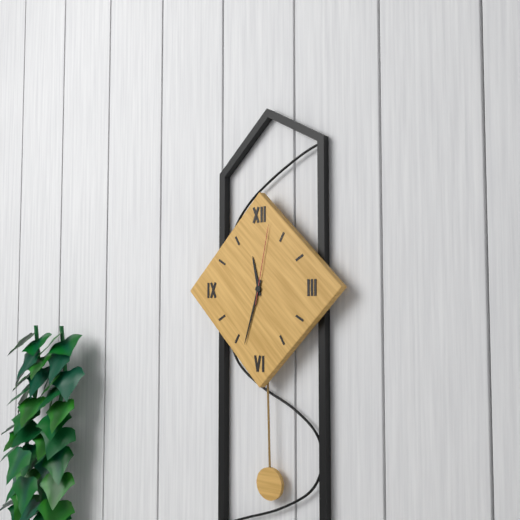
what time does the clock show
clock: 11:33:02
